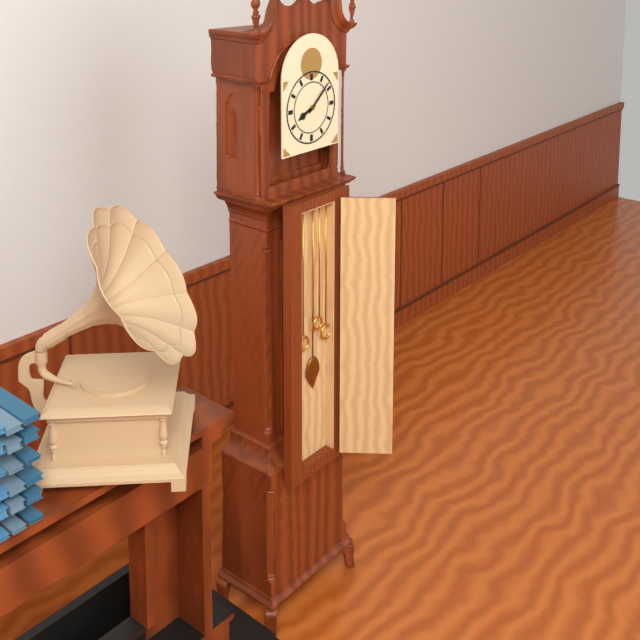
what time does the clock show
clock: 8:08
